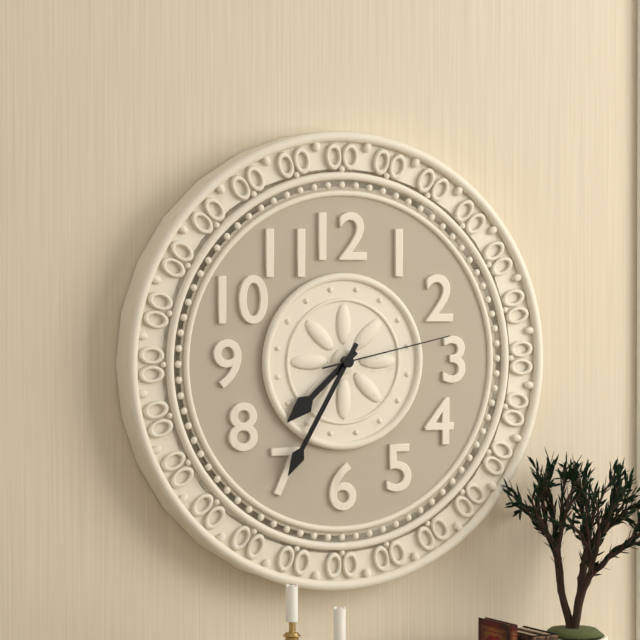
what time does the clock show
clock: 7:35:13
